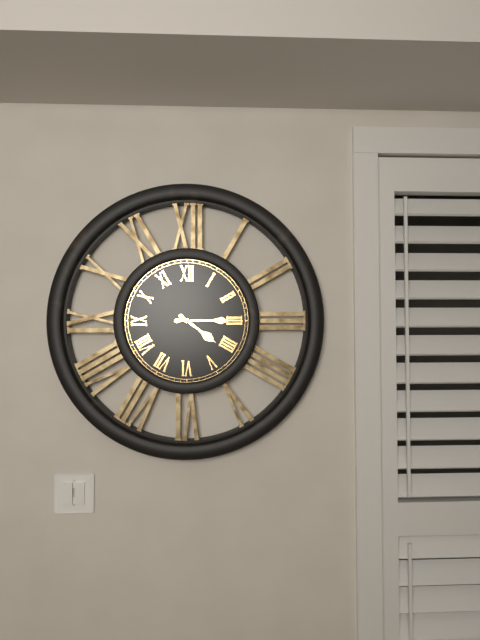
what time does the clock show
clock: 4:15
